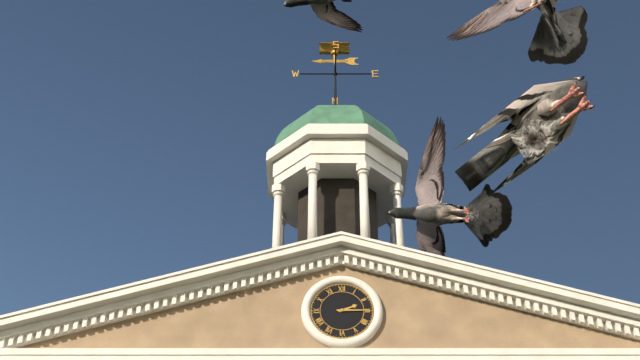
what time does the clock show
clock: 2:15
